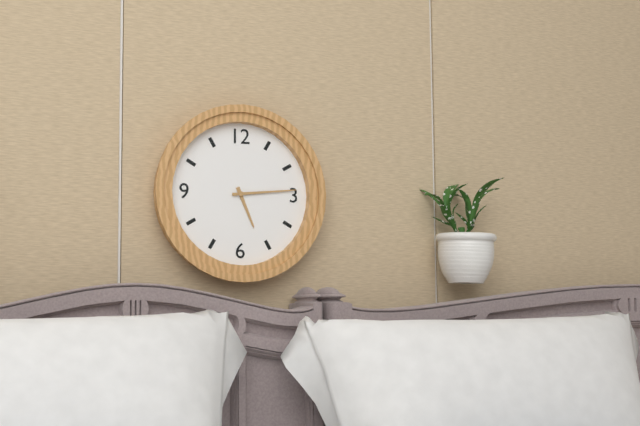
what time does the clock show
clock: 5:14
